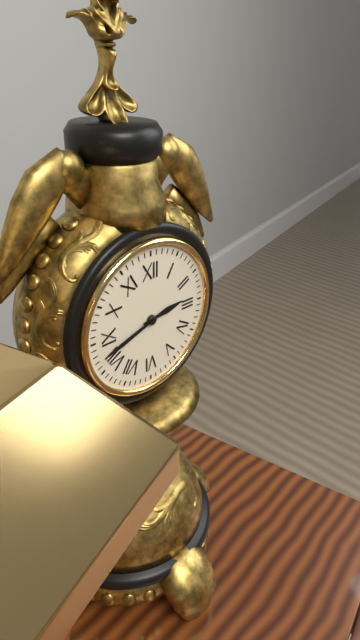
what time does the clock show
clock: 2:42
